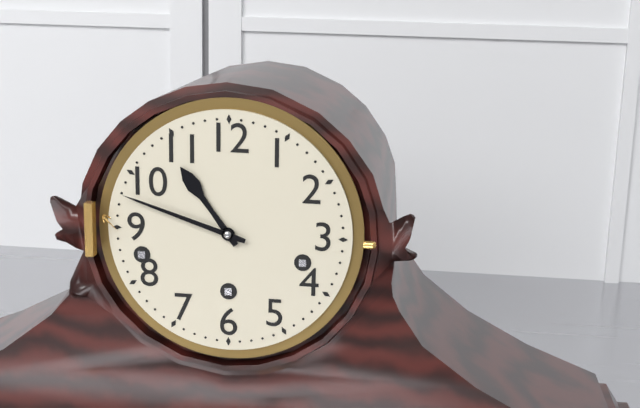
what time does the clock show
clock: 10:48
